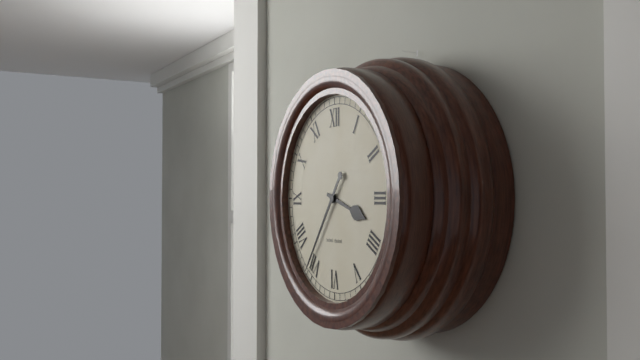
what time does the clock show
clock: 3:36
